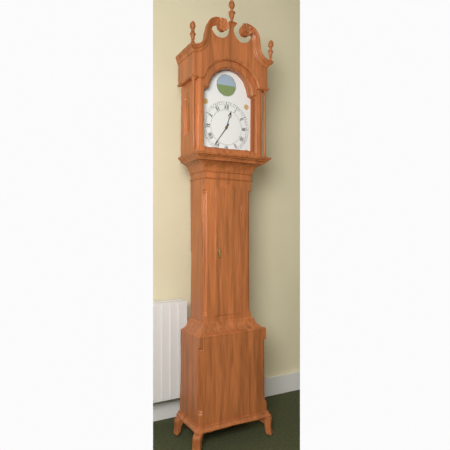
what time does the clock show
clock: 12:36
